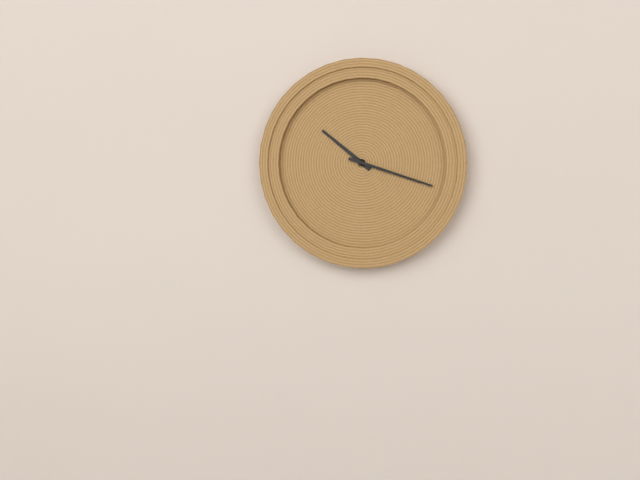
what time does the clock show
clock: 10:18
